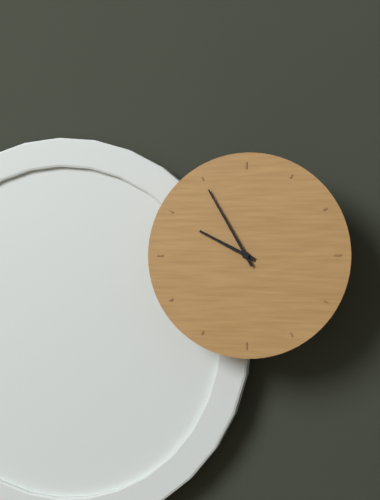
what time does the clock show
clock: 9:55
